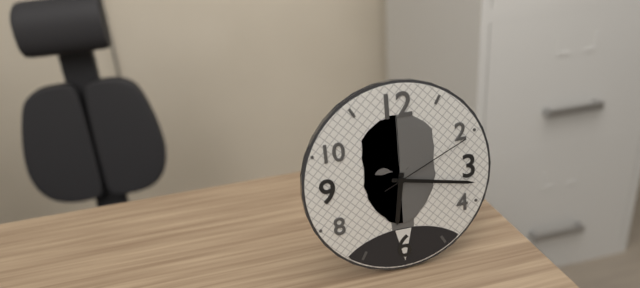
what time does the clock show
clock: 6:17:11
